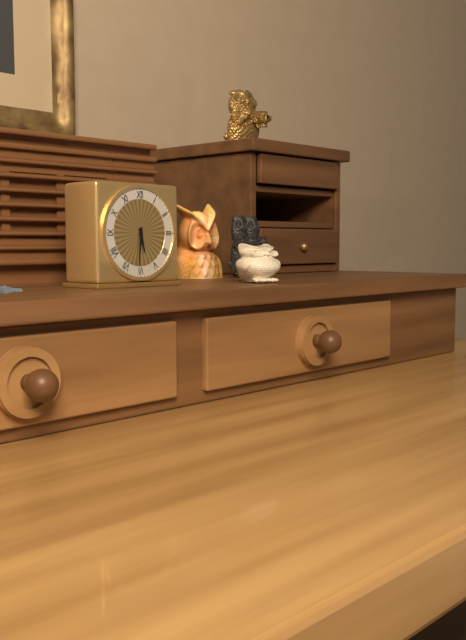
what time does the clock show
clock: 5:31
